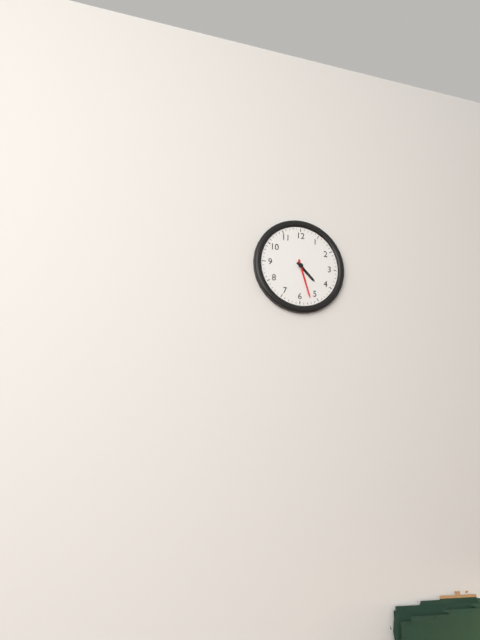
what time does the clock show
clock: 4:27
